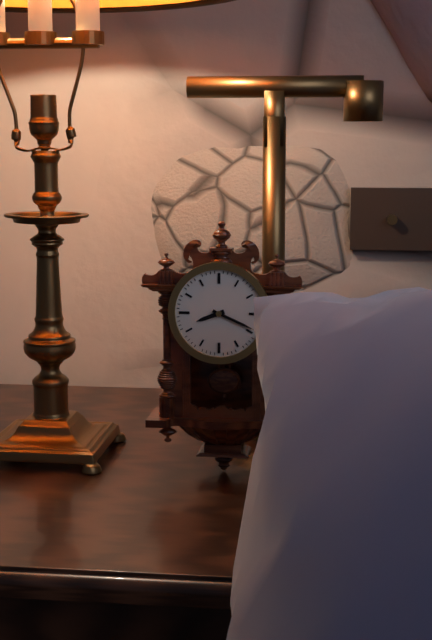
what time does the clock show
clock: 8:19
